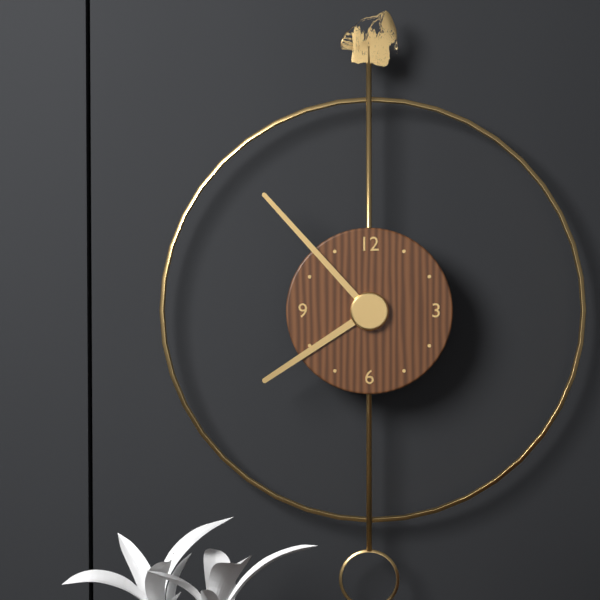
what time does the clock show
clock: 7:53
